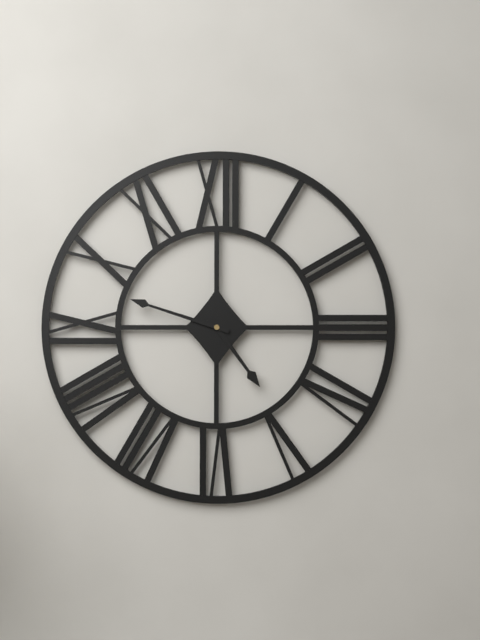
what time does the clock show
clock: 4:48
